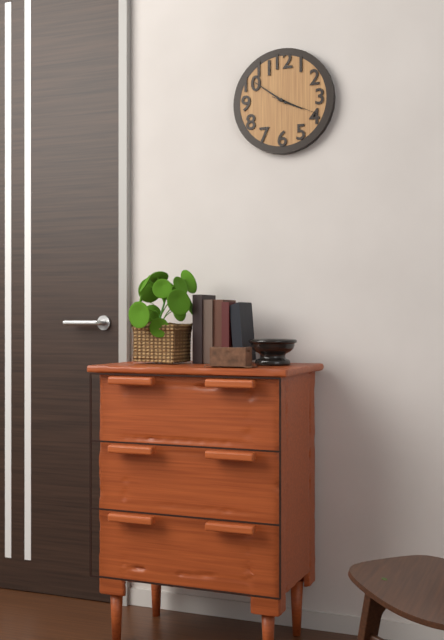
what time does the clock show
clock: 3:51
